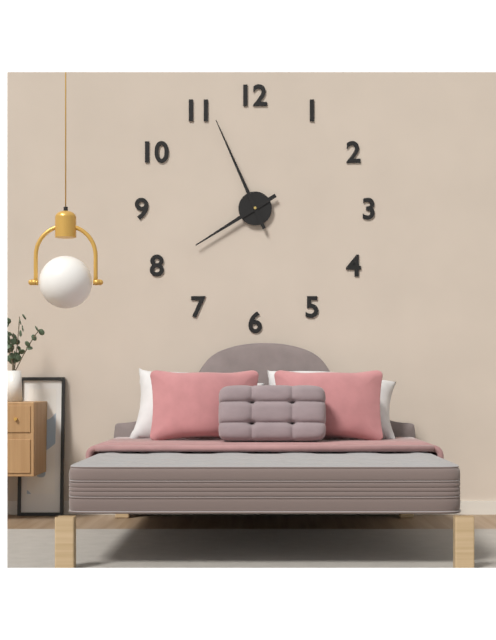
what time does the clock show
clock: 7:56
